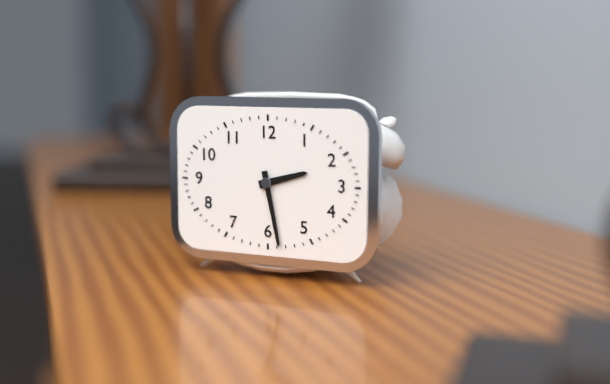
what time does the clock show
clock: 2:28
